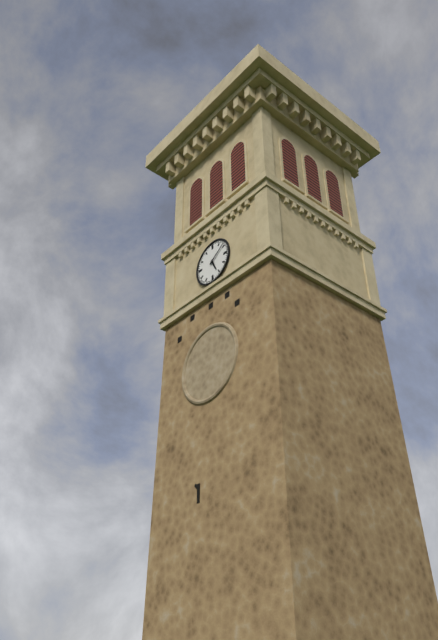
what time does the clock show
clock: 5:09
